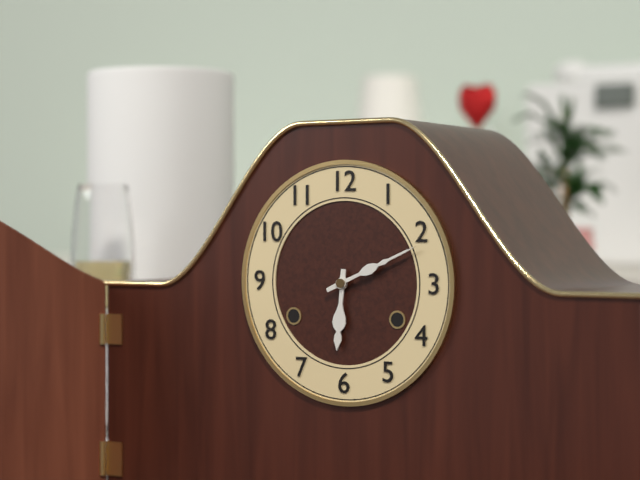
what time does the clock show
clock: 6:11
